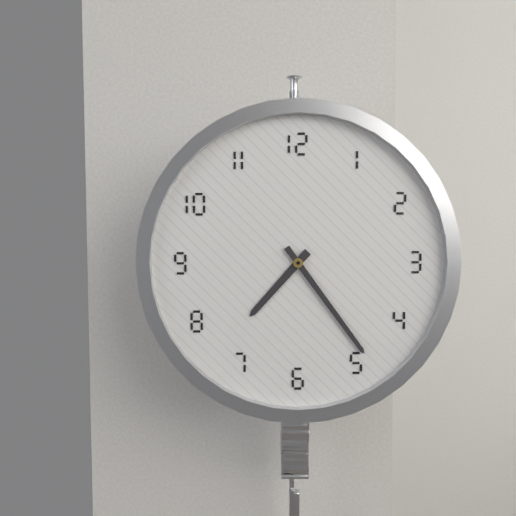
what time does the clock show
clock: 7:24
